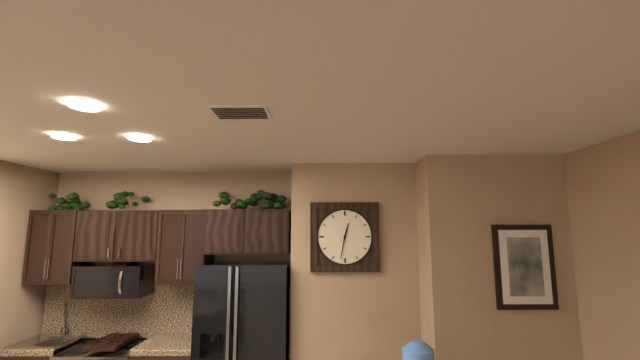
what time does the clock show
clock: 12:32
